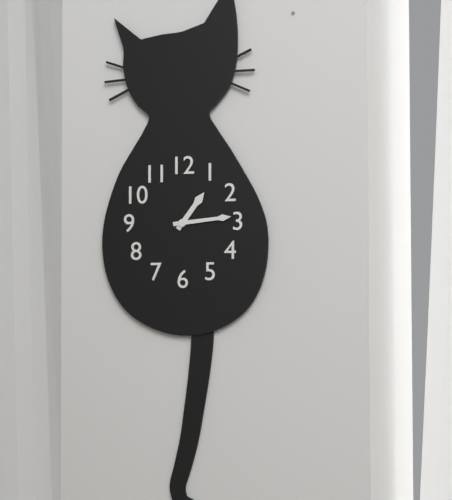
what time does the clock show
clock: 1:14
